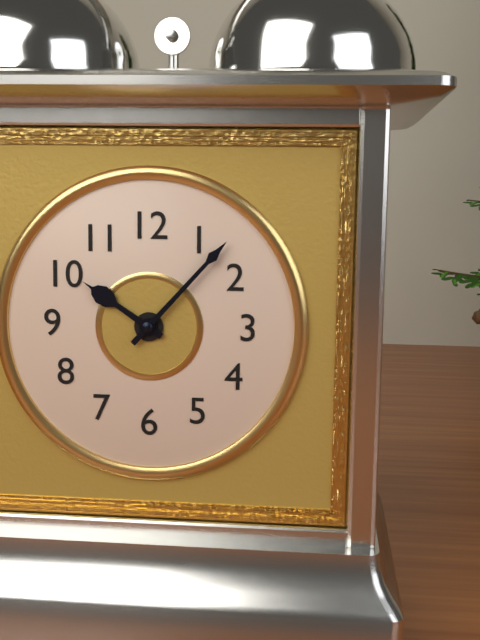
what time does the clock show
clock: 10:07
